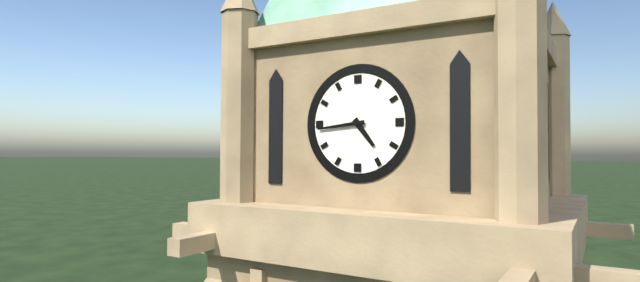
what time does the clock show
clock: 4:44
